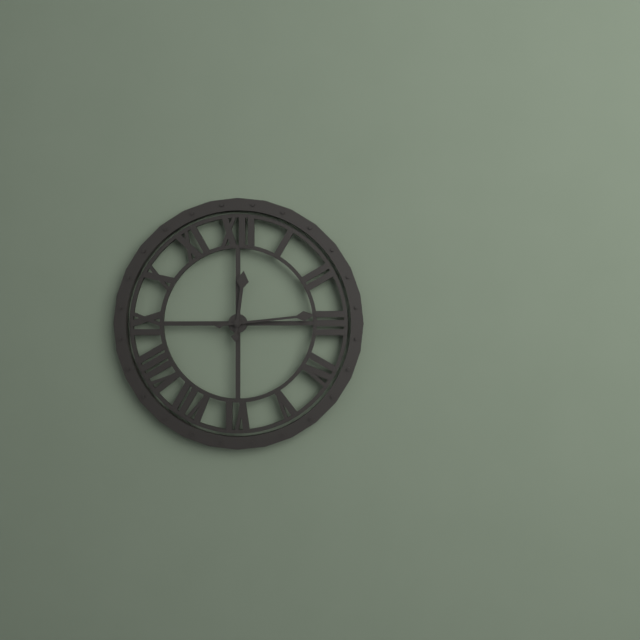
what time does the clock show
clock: 12:14
